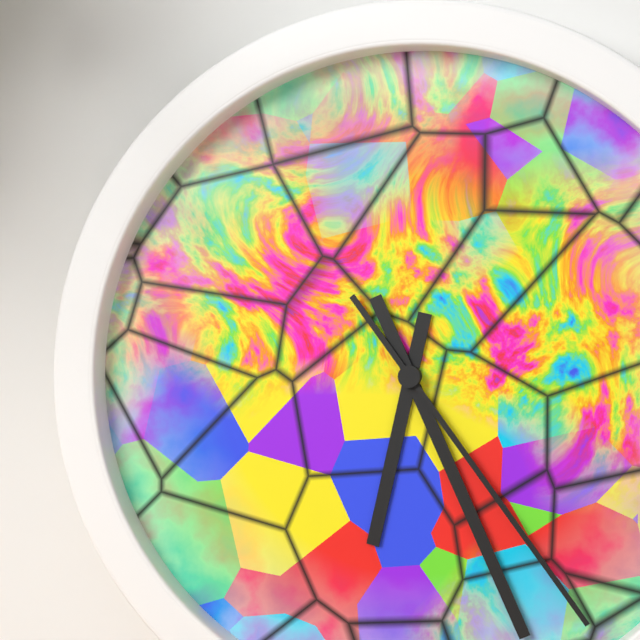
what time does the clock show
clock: 6:26:24
